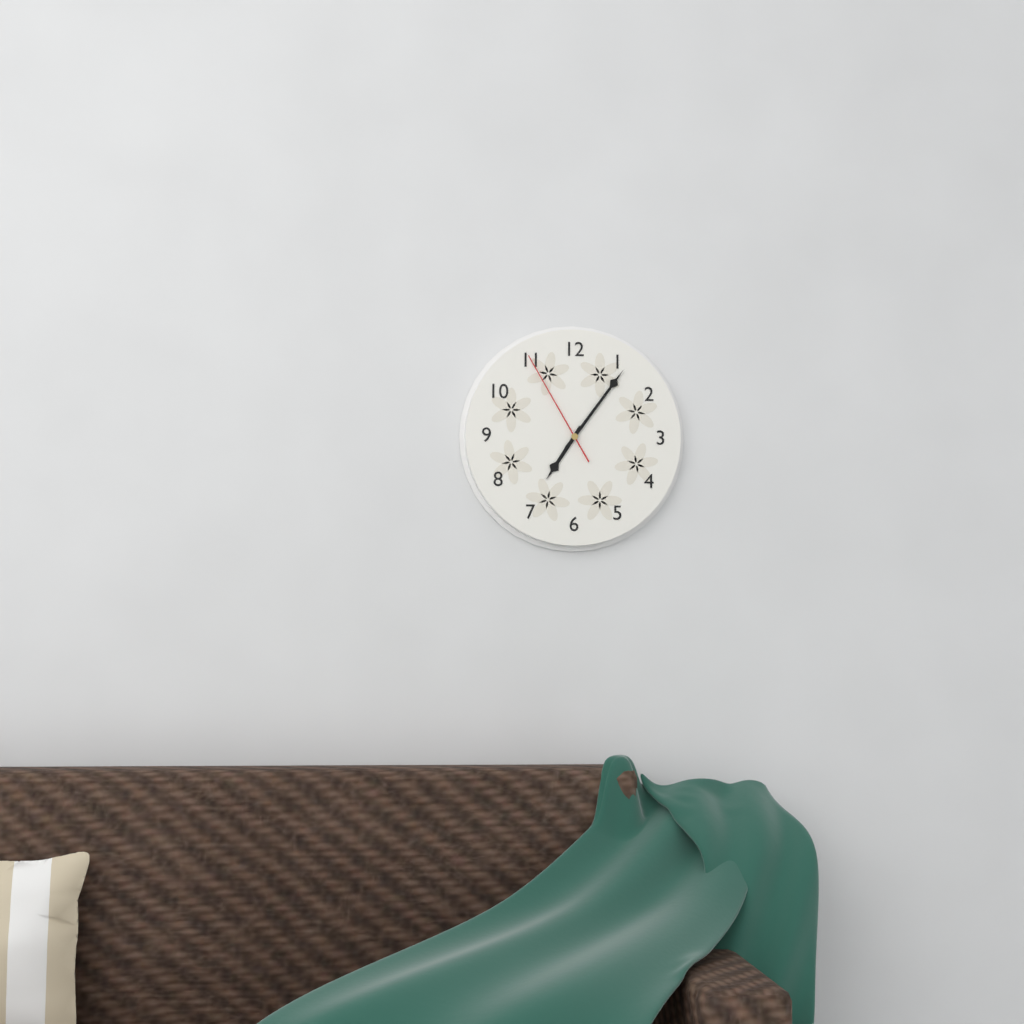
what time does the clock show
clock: 7:06:55
